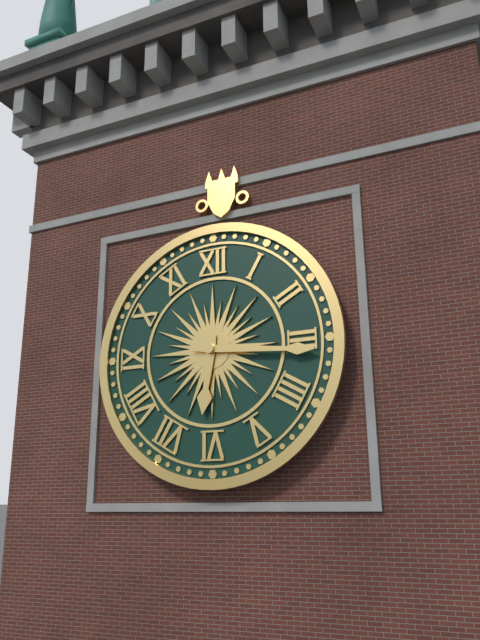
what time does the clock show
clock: 6:16
